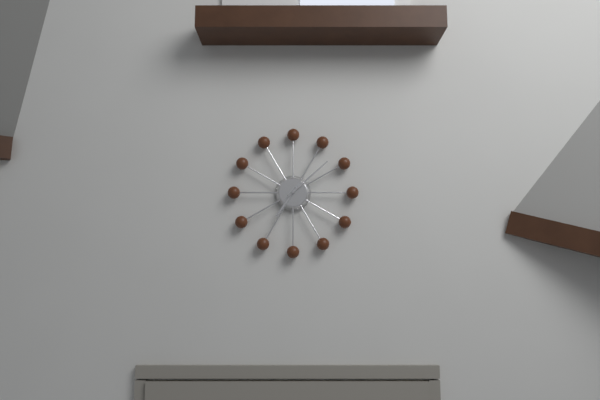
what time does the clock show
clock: 7:08
